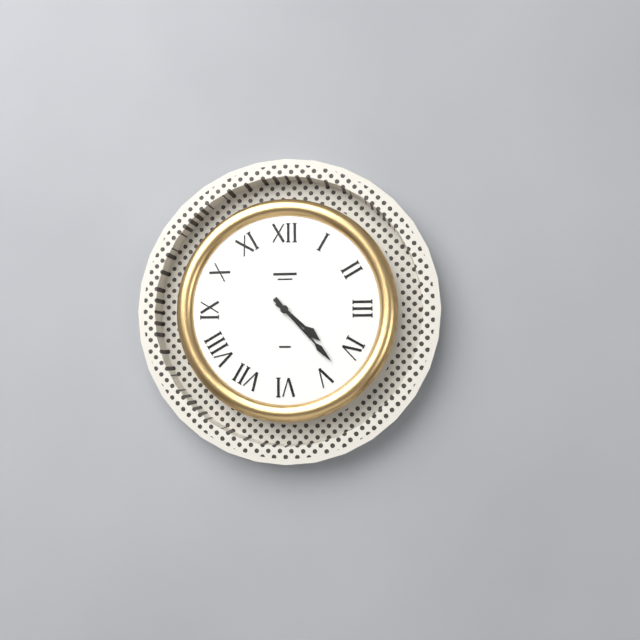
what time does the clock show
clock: 4:23
